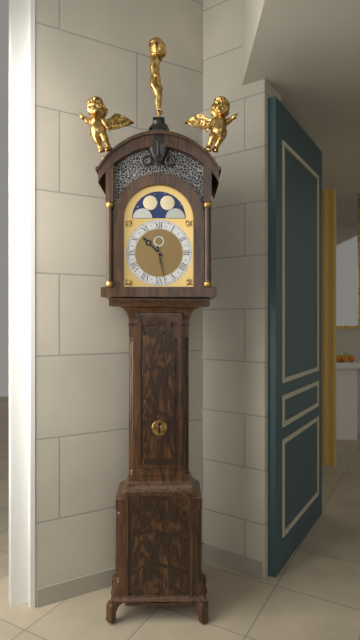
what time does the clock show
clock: 10:28
